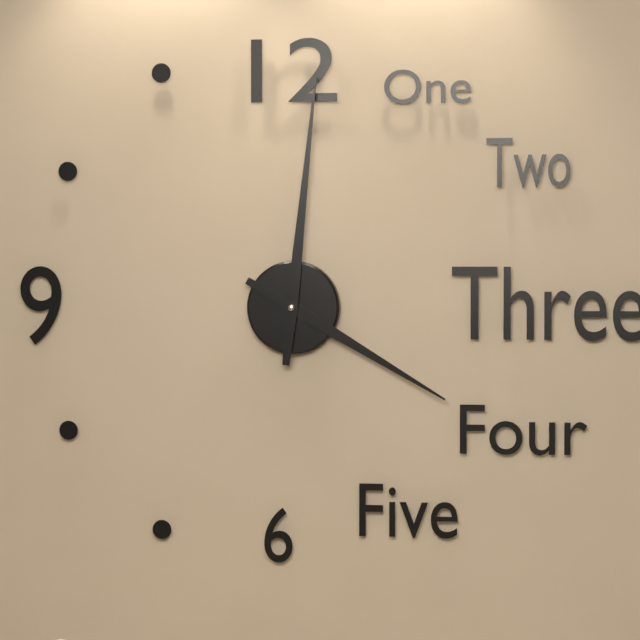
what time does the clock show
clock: 4:01
